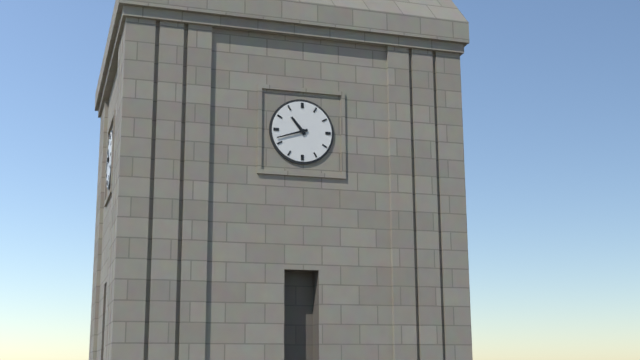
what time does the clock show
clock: 10:42
